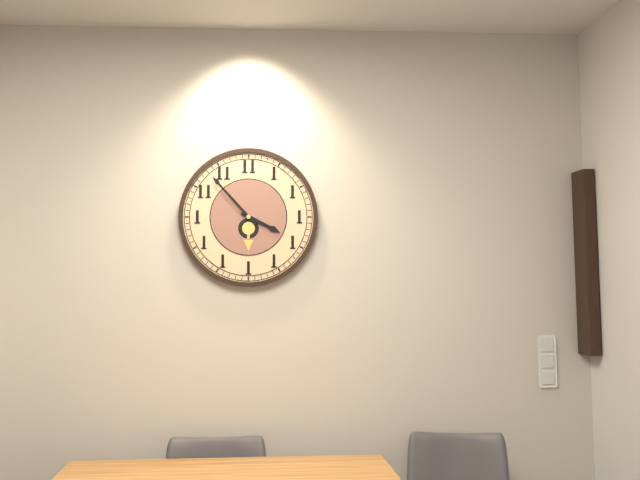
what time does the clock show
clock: 3:53
